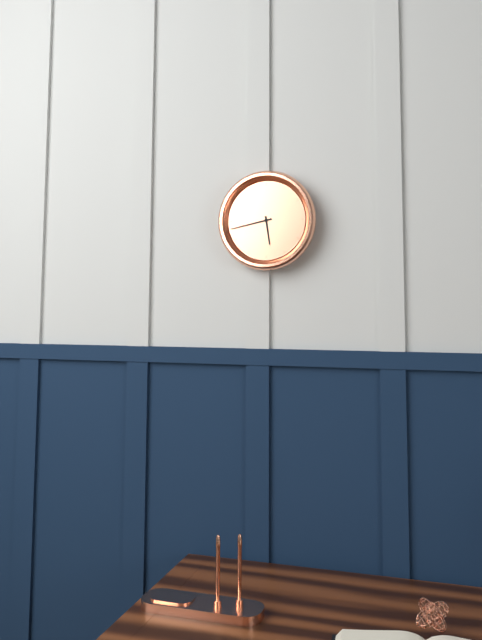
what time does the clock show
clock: 5:43
